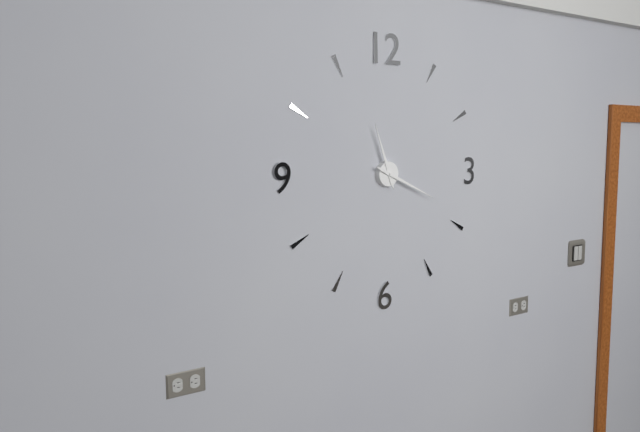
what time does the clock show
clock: 11:19
